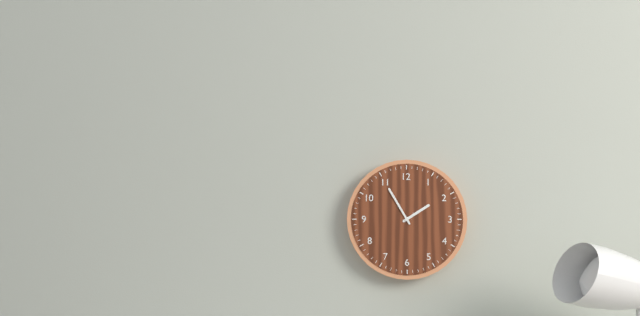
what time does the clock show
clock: 1:55
